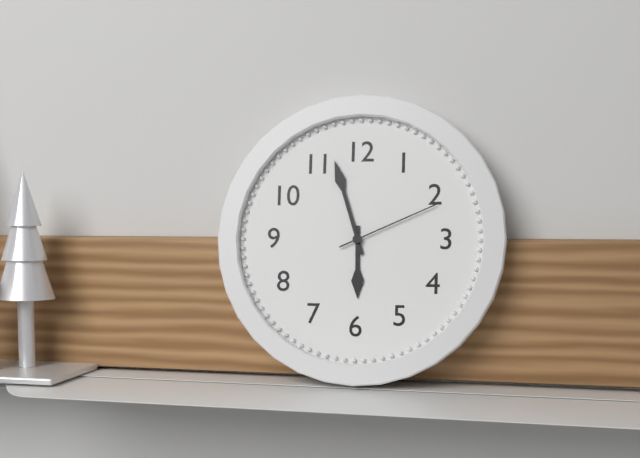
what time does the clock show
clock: 5:57:11
